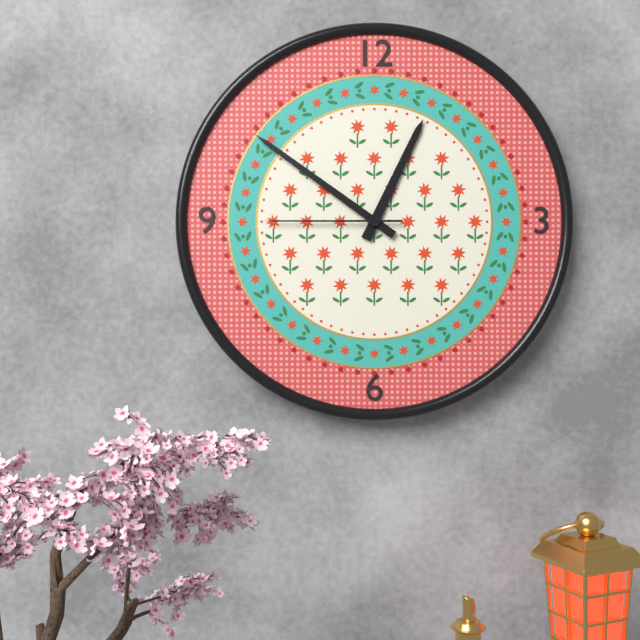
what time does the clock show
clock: 12:51:45
